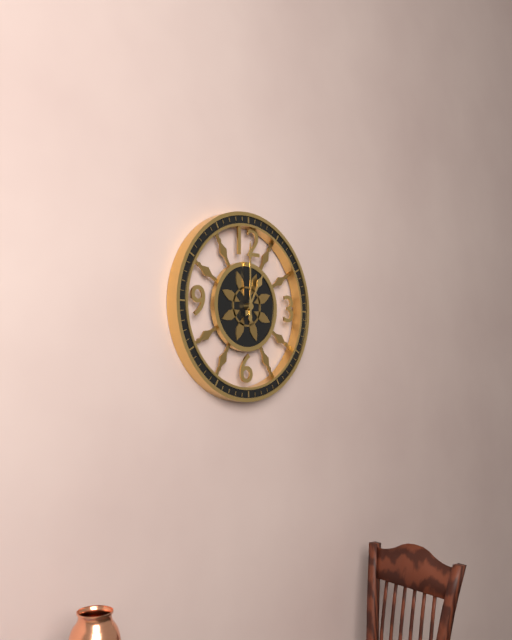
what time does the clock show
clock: 1:00
